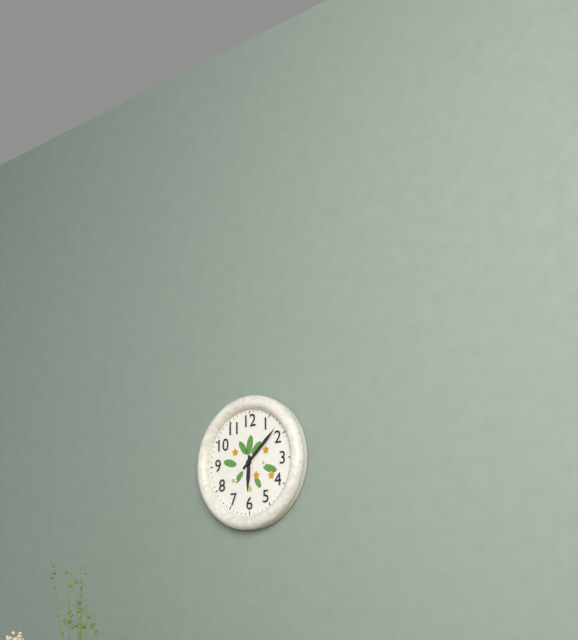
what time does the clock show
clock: 6:08
